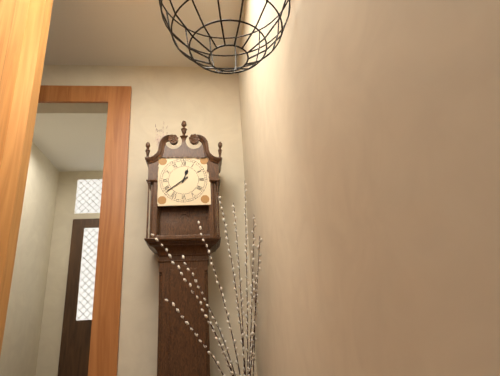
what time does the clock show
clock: 12:39
